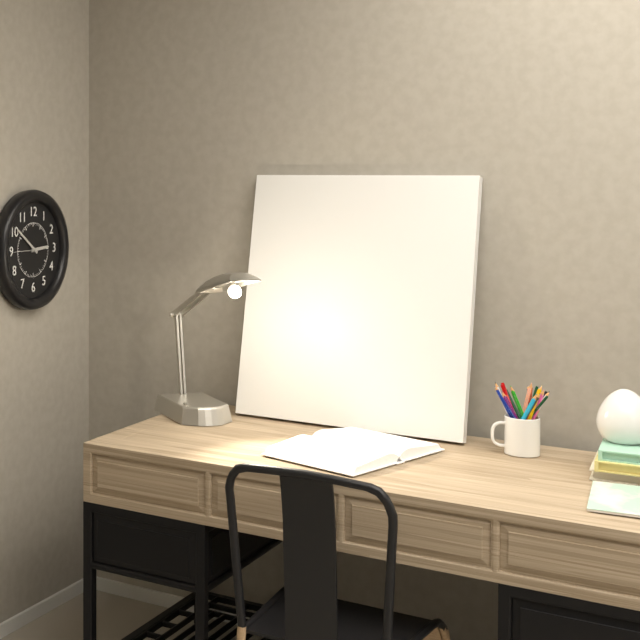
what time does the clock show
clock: 2:51
